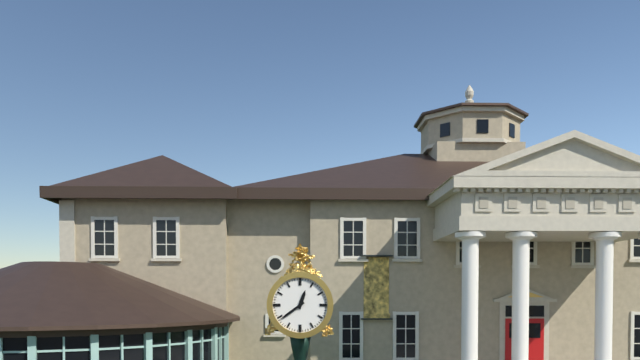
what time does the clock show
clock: 12:39
